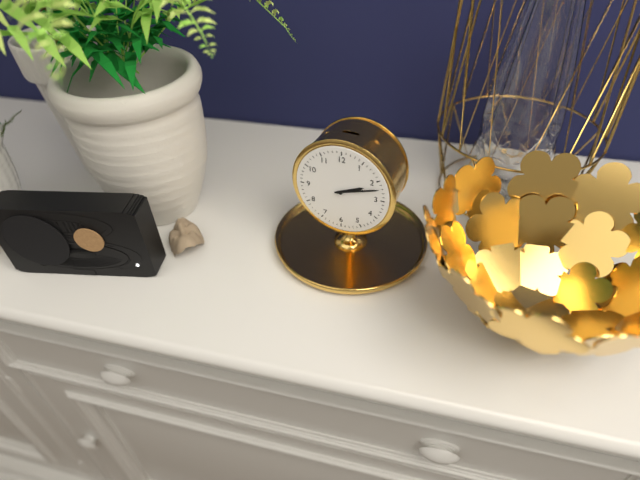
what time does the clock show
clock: 2:12
